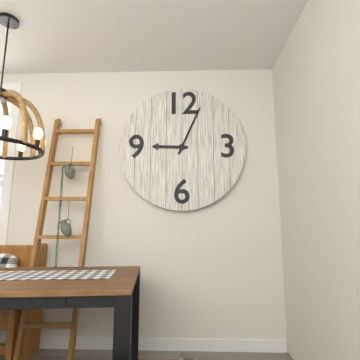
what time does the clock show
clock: 9:04
